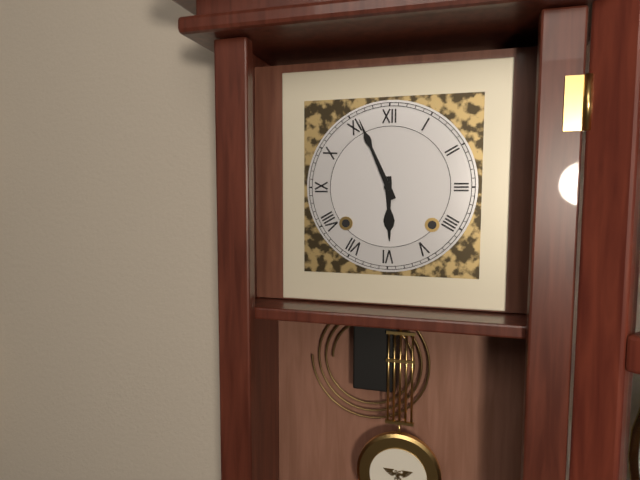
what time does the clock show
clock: 5:56
